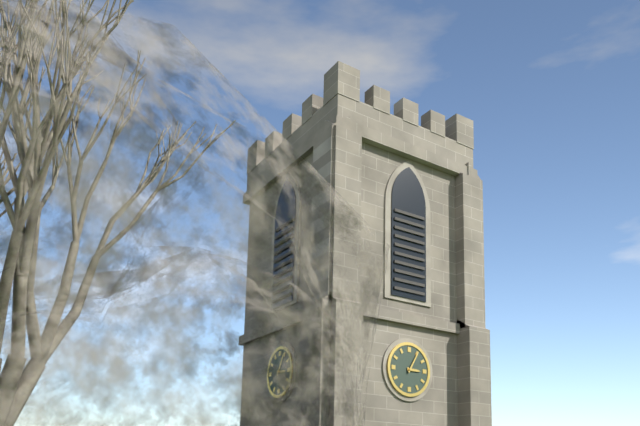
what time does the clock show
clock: 3:05
